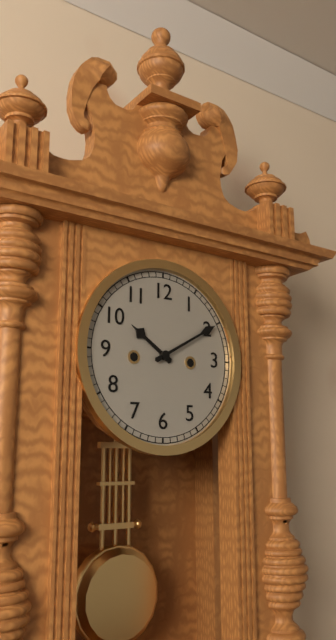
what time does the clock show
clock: 10:10
